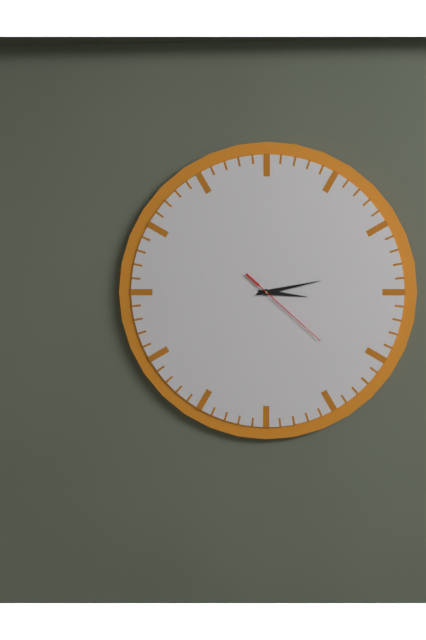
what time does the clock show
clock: 3:13:22
